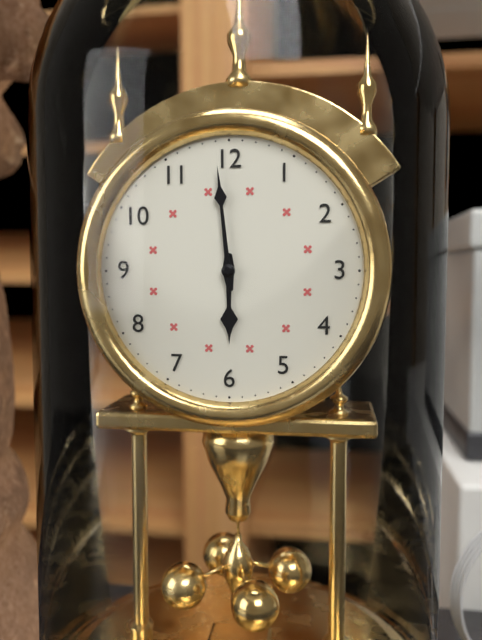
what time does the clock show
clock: 5:59
